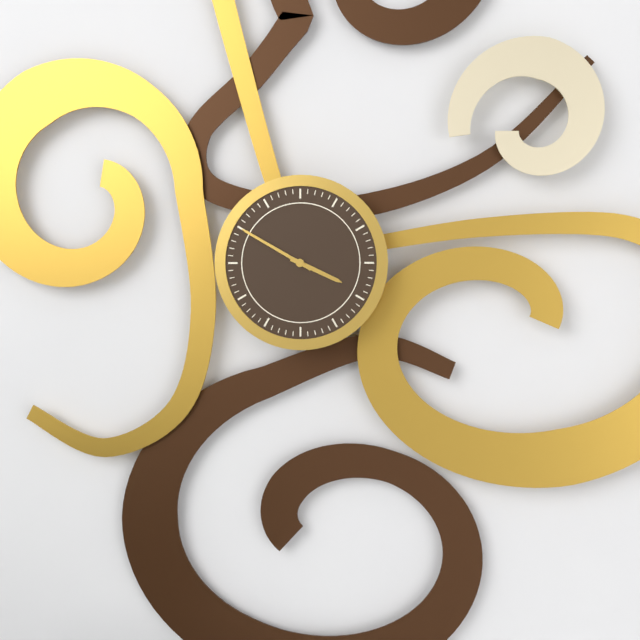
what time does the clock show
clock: 3:50
